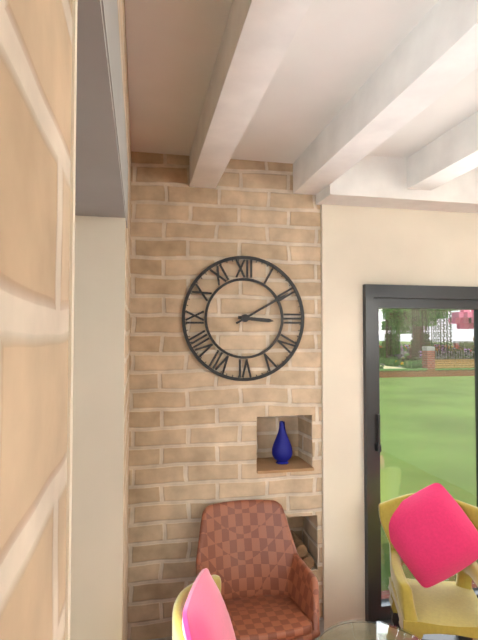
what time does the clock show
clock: 3:10
